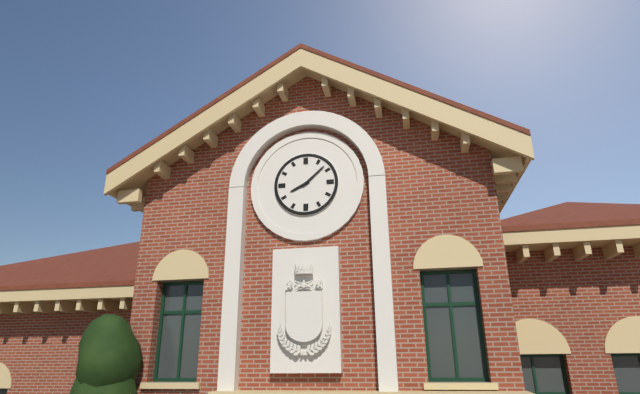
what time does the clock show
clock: 8:08
